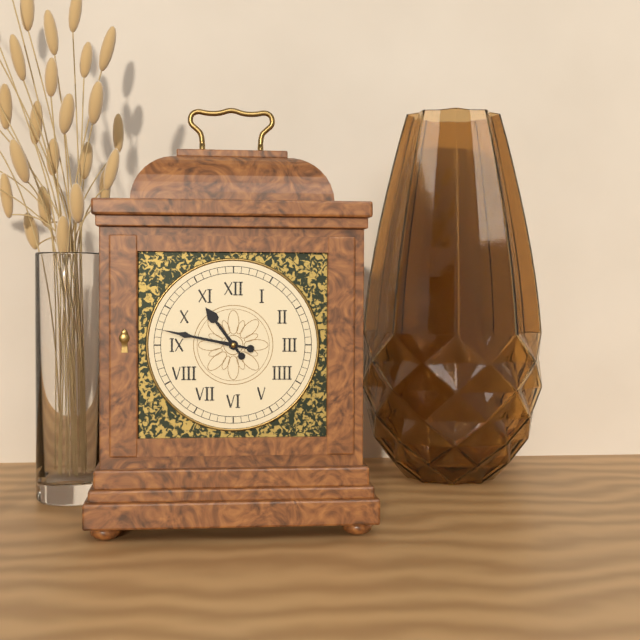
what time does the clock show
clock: 10:47
